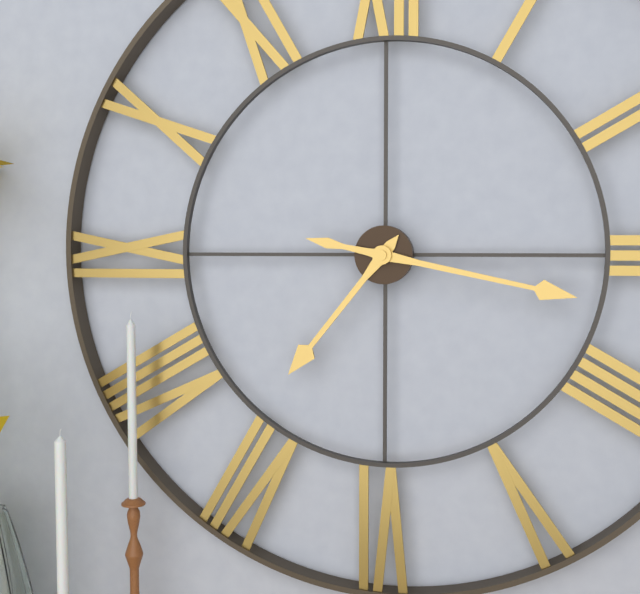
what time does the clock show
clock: 7:17
